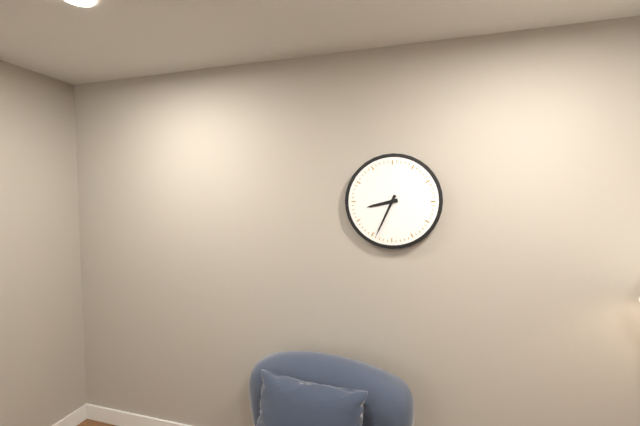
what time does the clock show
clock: 8:34
